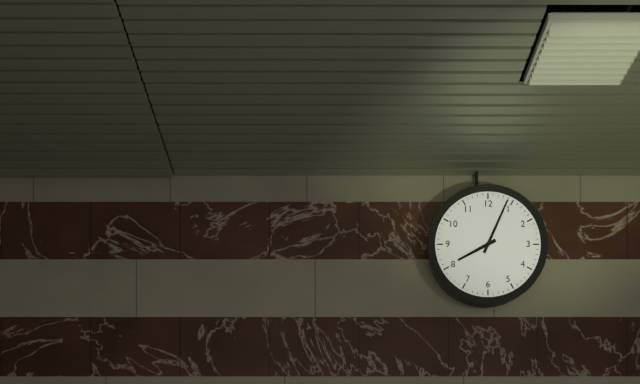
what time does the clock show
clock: 8:04
